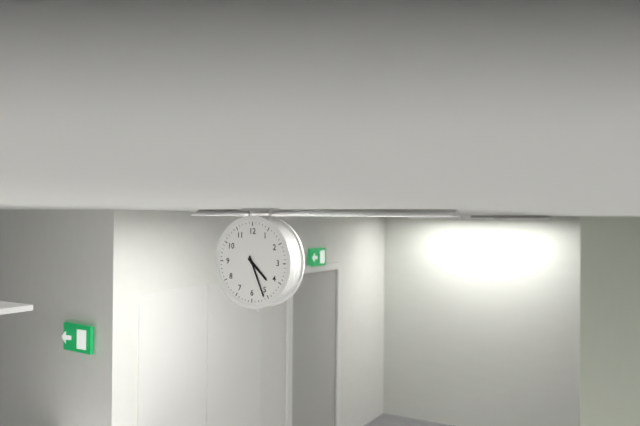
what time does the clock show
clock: 4:26
